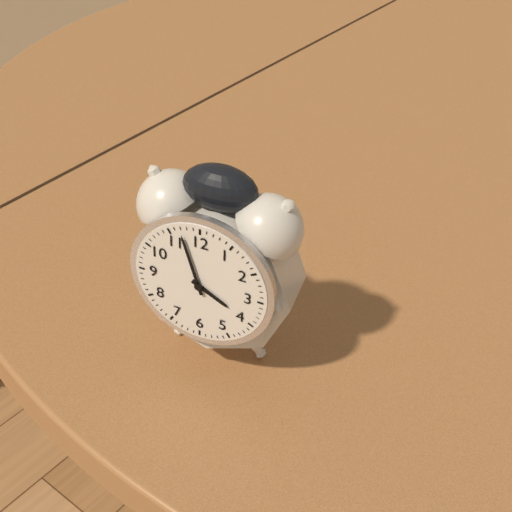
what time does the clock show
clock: 3:57
